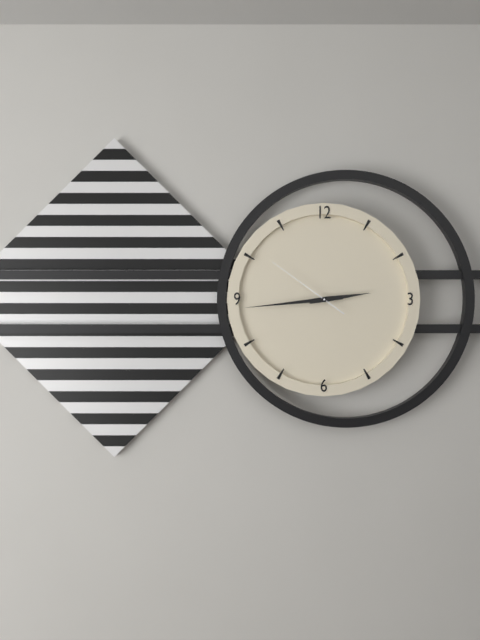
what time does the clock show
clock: 2:44:51
